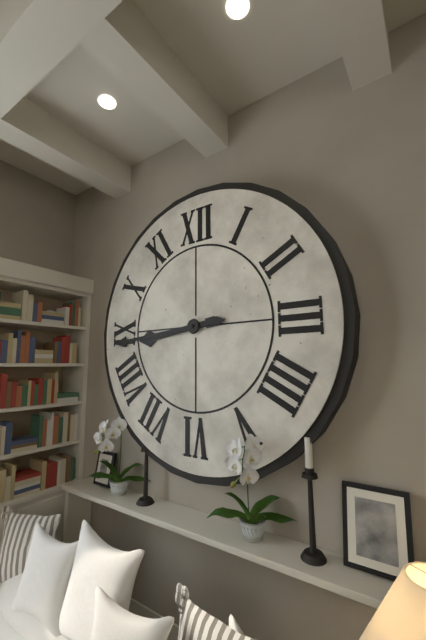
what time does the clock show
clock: 8:44
